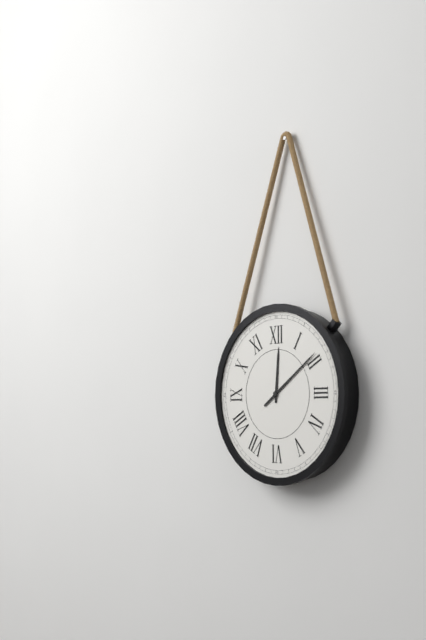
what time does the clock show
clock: 12:09
